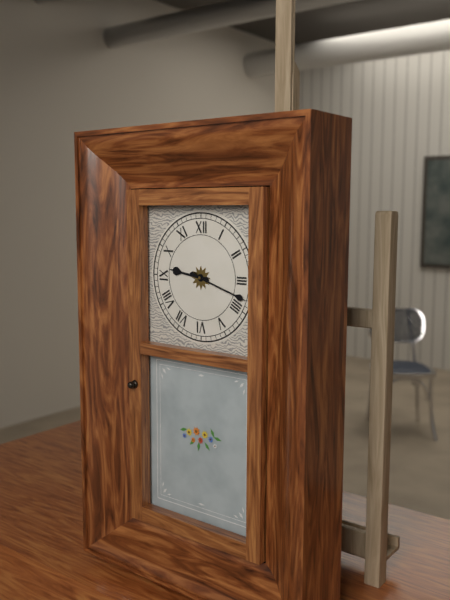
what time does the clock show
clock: 9:18
